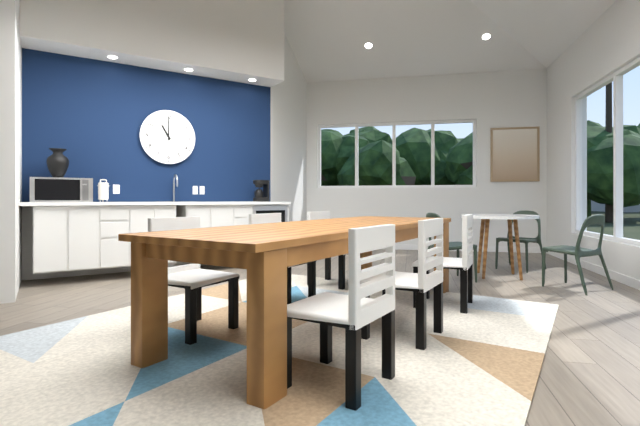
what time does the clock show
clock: 11:00
